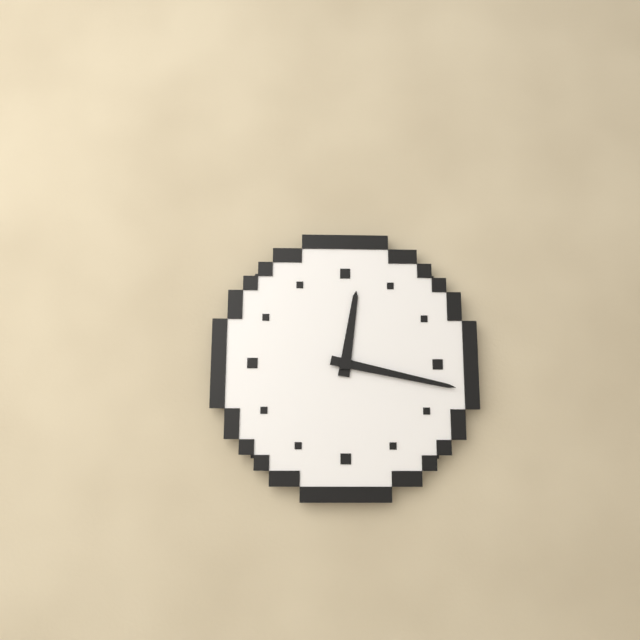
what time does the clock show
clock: 12:17
